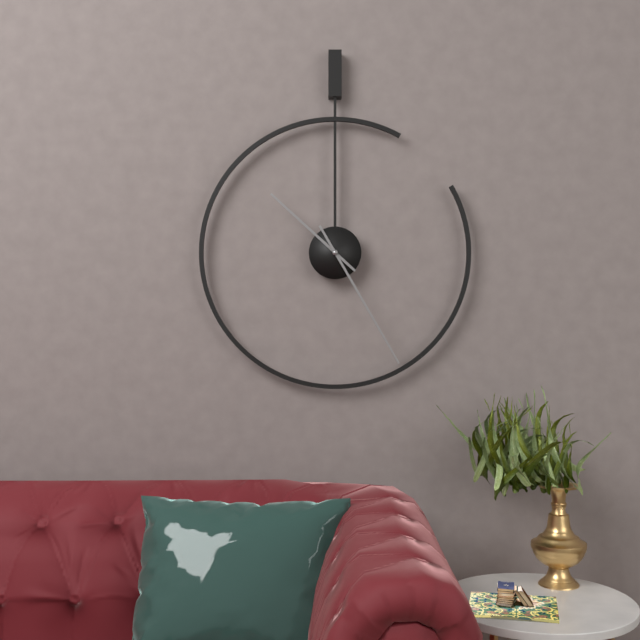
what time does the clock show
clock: 10:25
